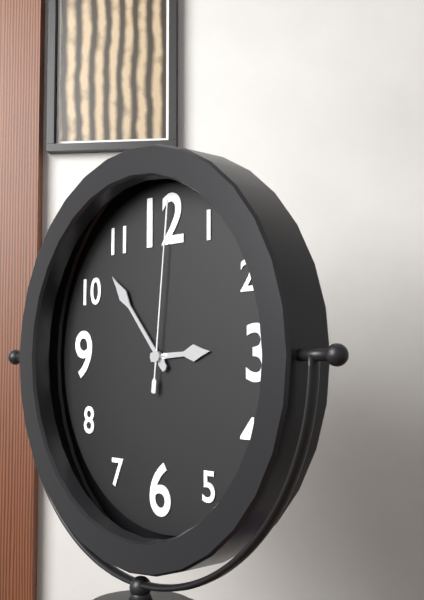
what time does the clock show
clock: 2:53:01
